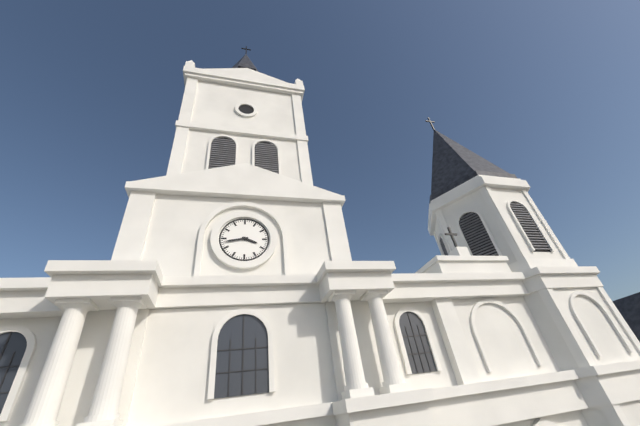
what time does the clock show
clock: 3:43
